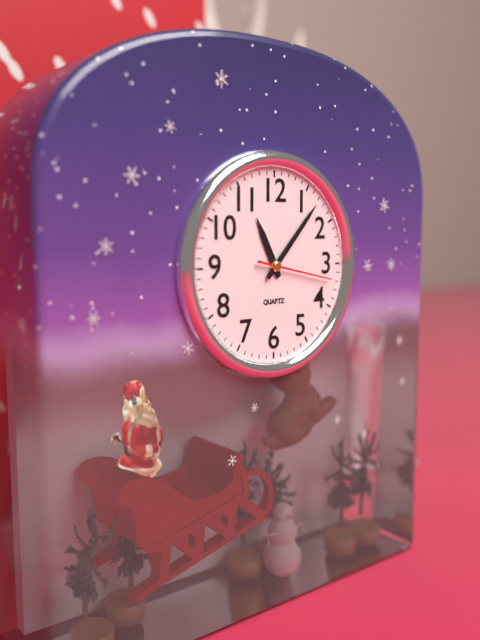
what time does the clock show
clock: 11:07:17
